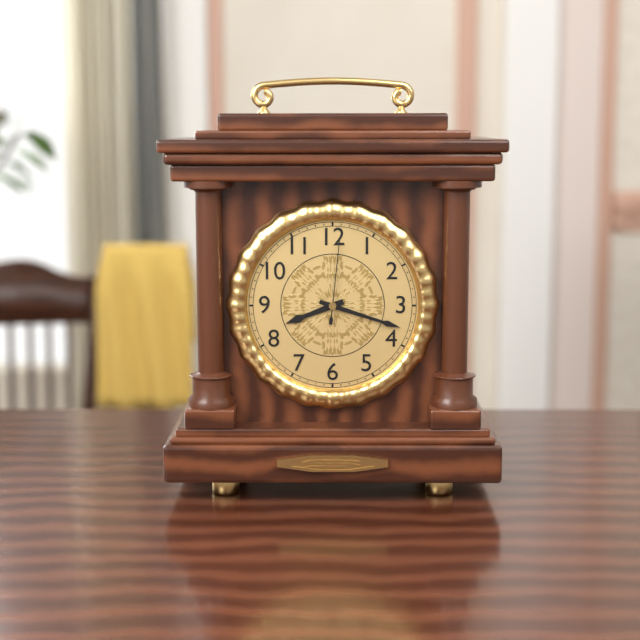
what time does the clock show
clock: 8:18:01
